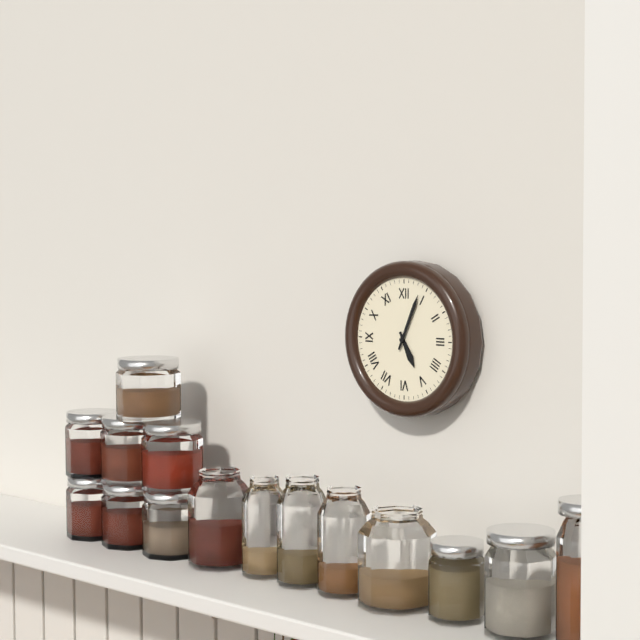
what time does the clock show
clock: 5:04
